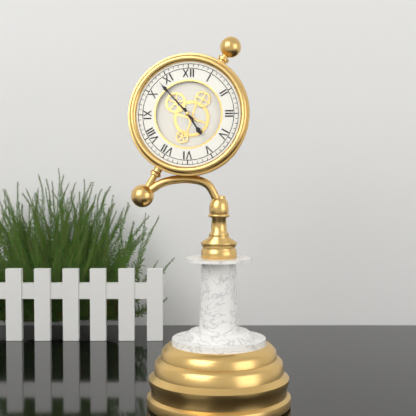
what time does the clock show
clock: 4:53
